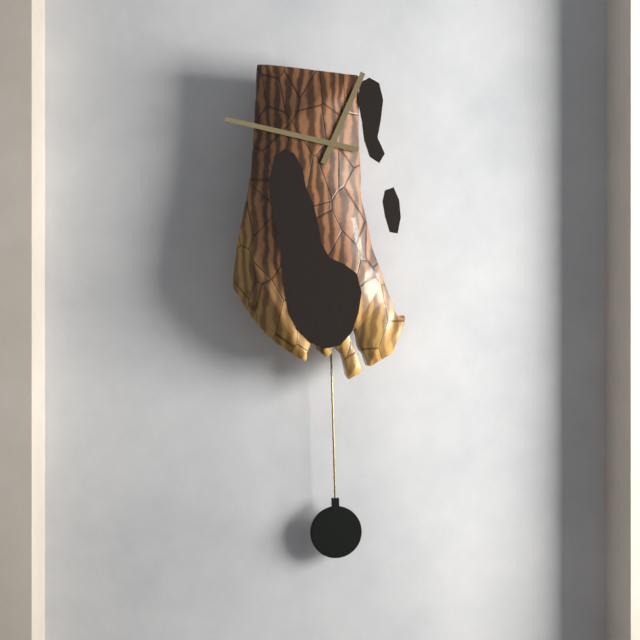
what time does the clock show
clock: 12:47
